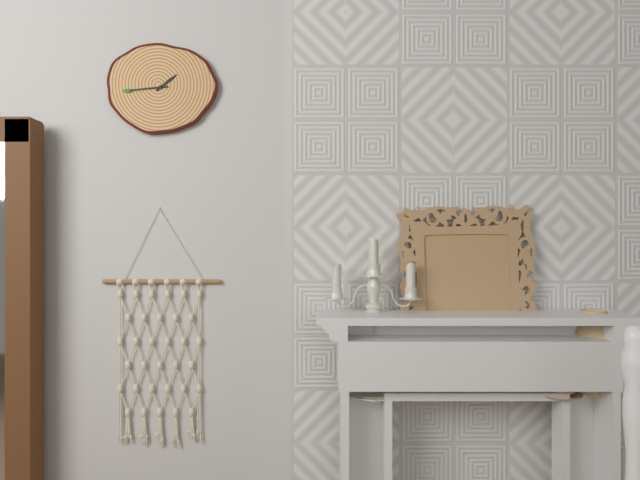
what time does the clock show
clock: 1:44
